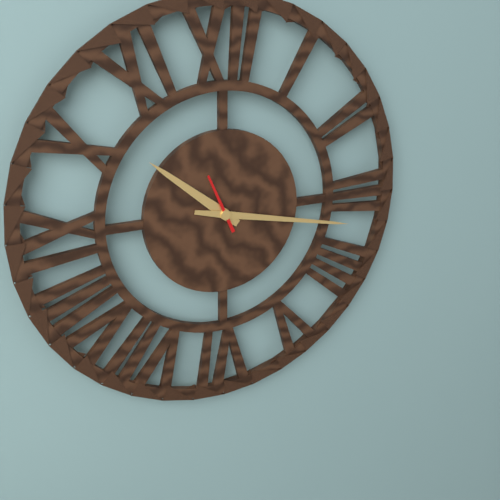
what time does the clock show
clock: 10:17
